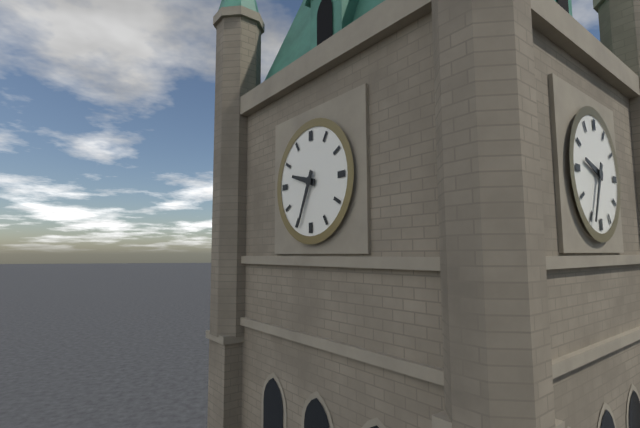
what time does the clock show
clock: 9:34
